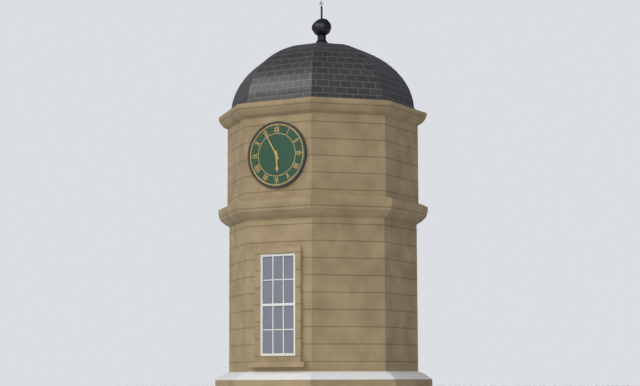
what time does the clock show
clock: 5:55
